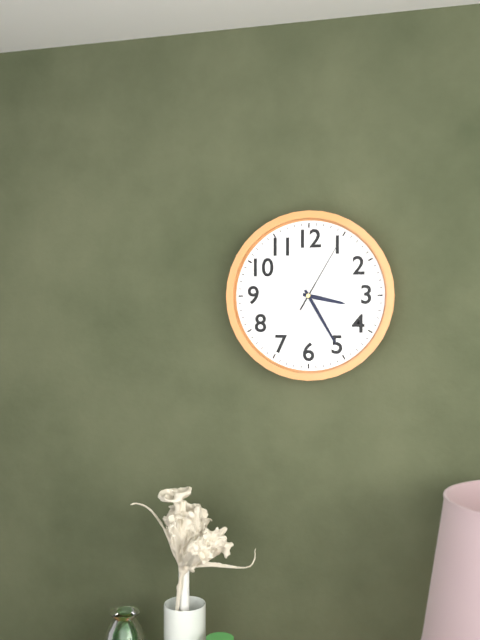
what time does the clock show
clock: 3:25:05
